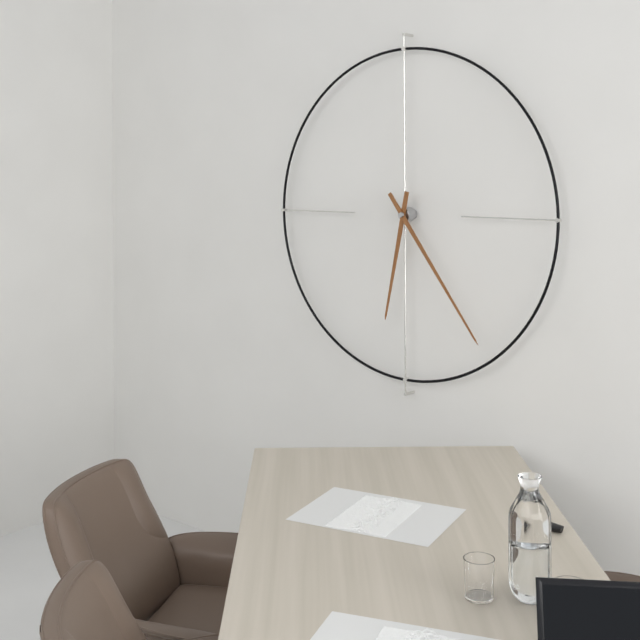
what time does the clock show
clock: 6:24
